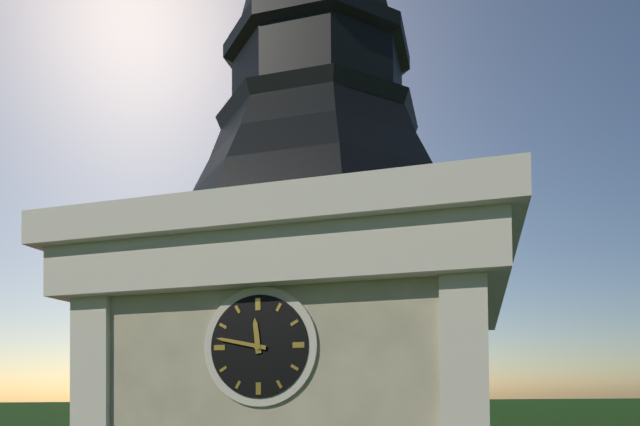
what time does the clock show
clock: 11:47
